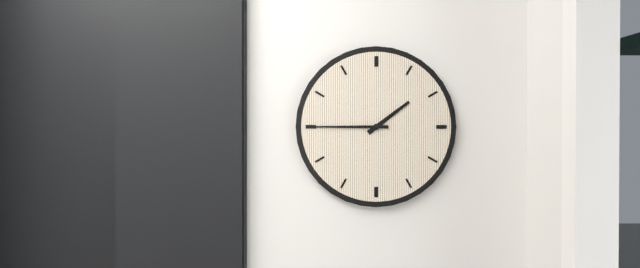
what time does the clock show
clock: 1:45
